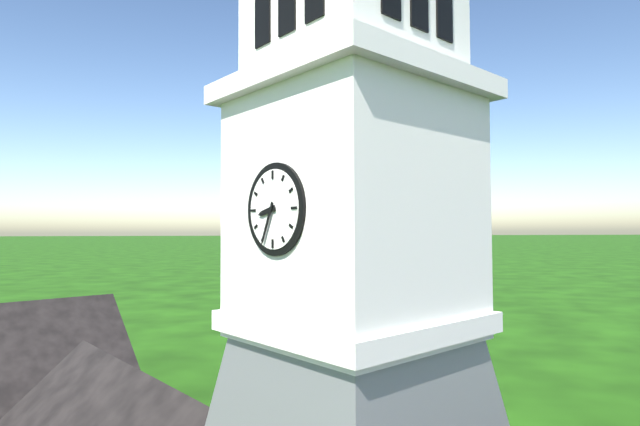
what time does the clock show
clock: 8:34
